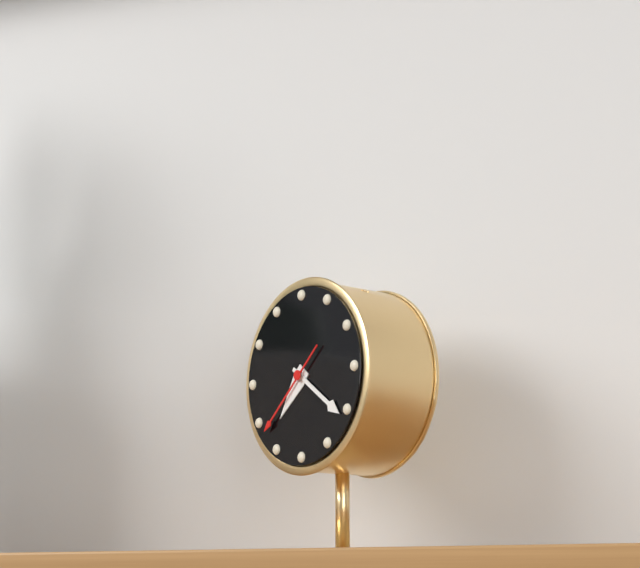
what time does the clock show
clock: 7:21:38
